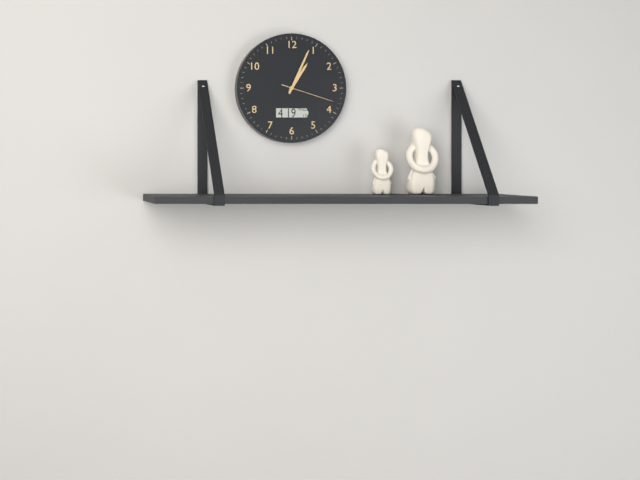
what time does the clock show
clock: 1:04:18
